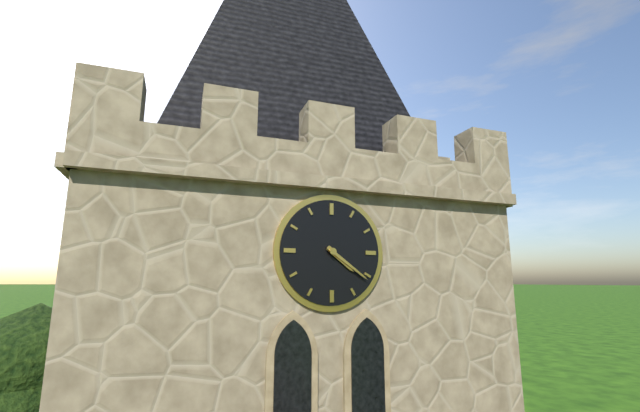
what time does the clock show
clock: 4:21
